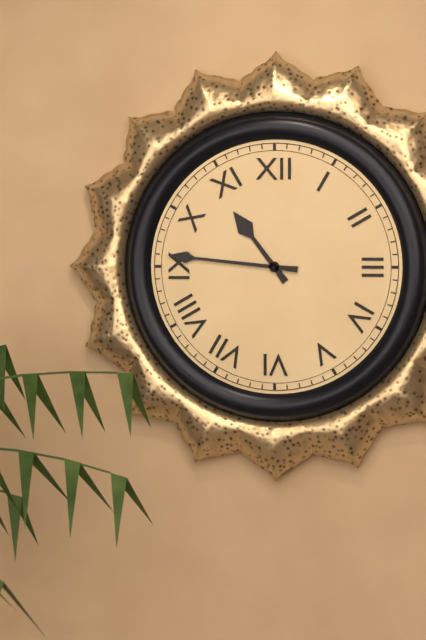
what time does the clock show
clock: 10:46
